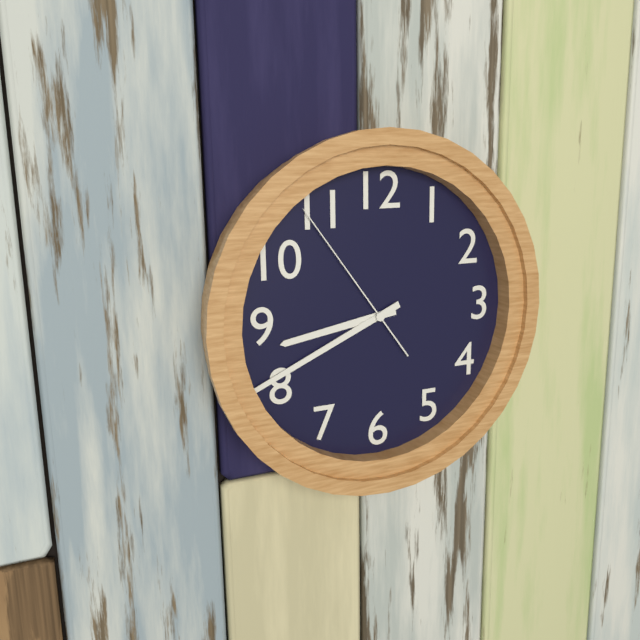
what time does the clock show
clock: 8:41:54
